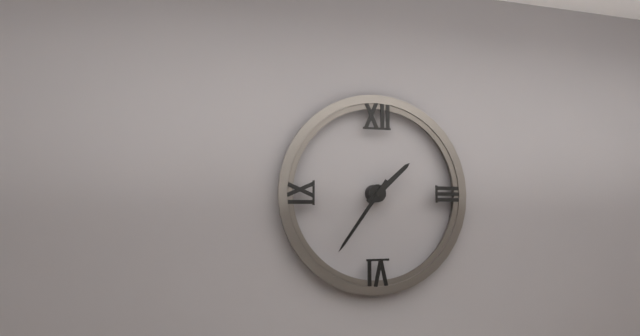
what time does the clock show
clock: 1:36
